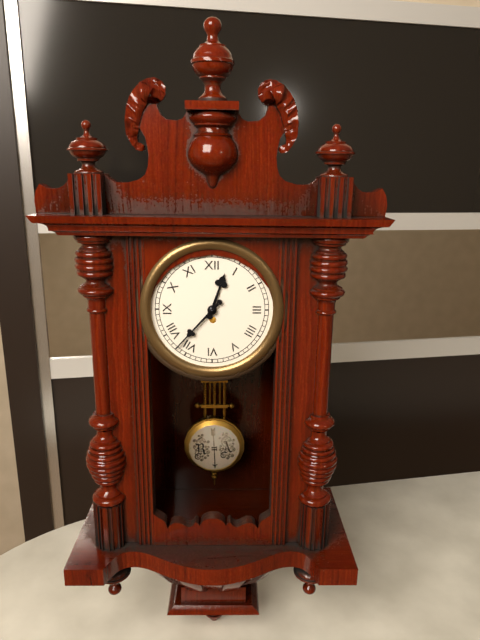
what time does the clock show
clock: 12:37
